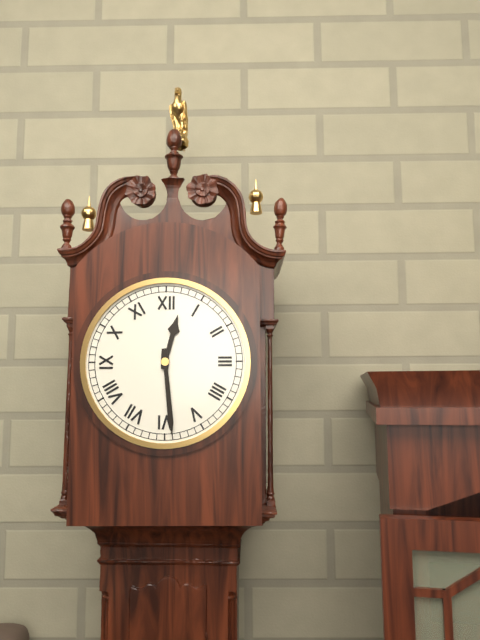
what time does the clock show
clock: 12:29
